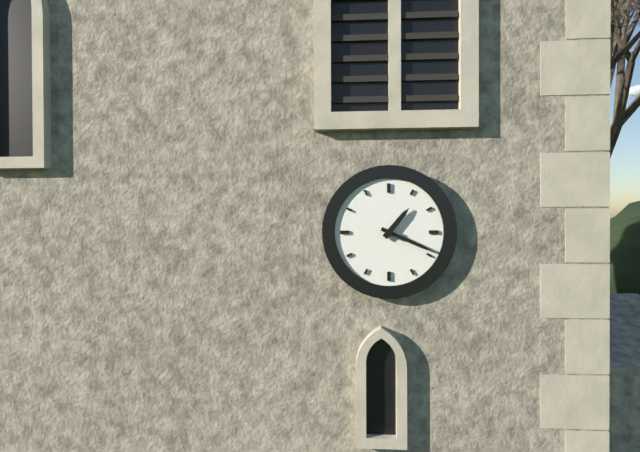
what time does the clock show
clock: 1:19
